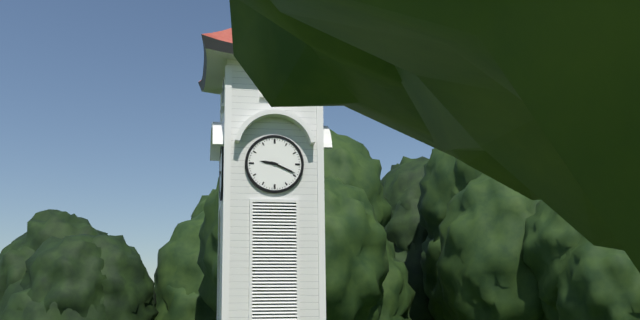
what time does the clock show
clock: 9:19
